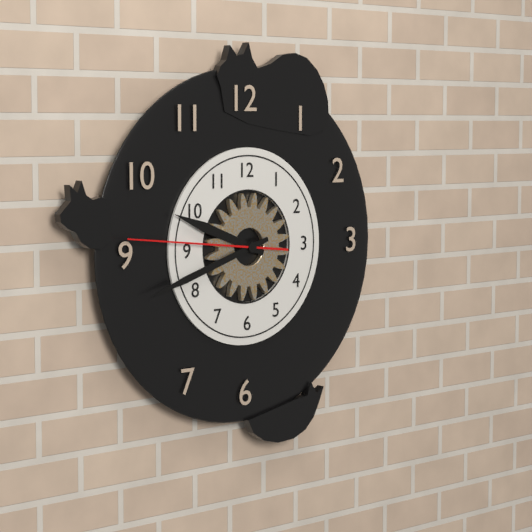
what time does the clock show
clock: 9:42:46
